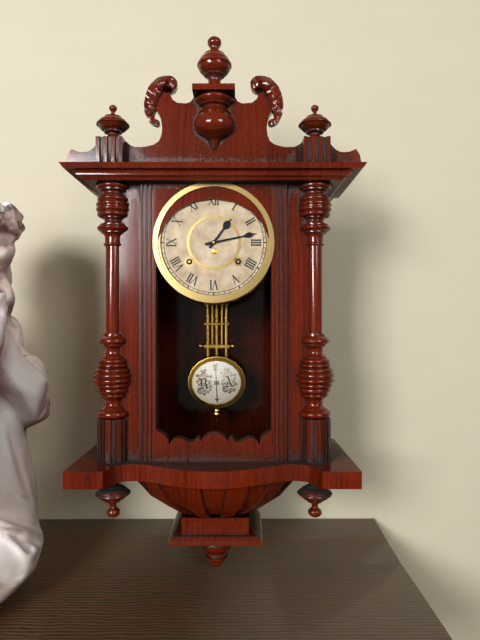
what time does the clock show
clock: 1:13
